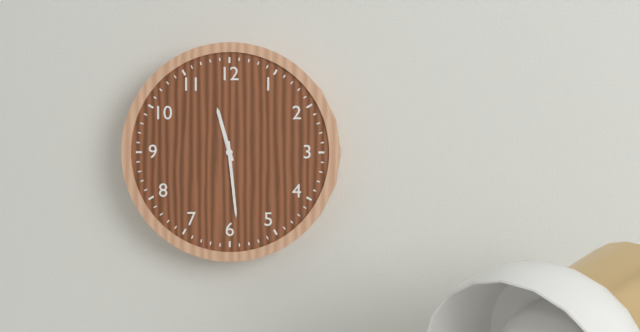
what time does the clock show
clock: 11:29
